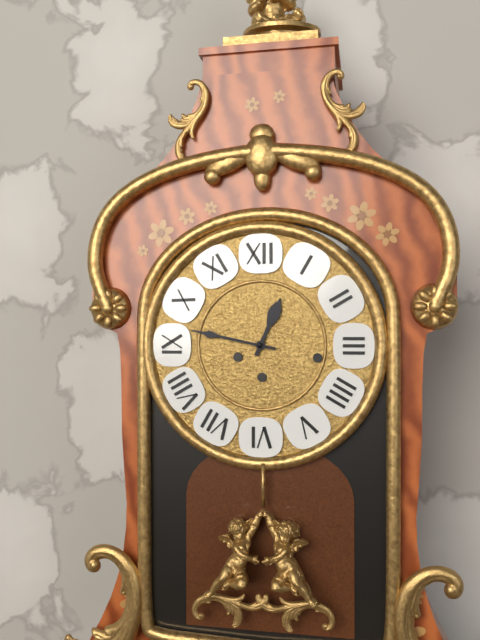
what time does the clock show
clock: 12:47
